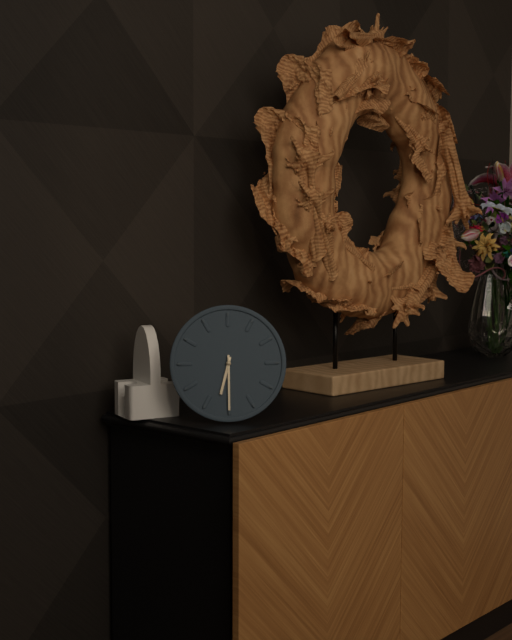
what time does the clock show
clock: 6:30
